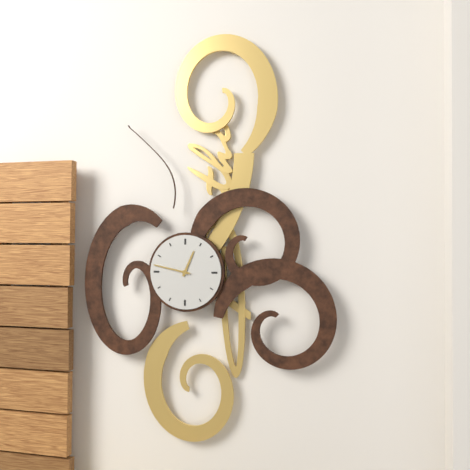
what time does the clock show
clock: 12:47
